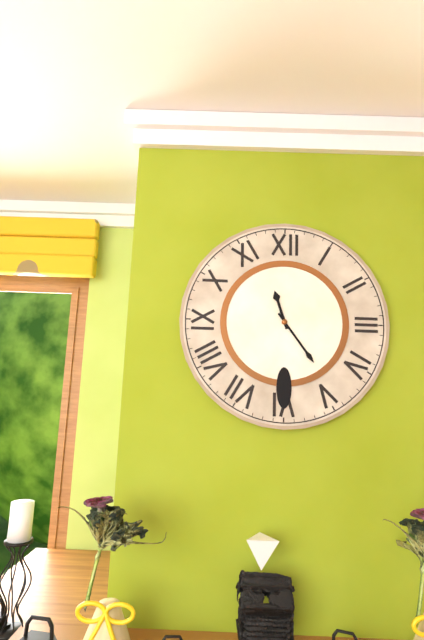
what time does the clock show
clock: 11:24
